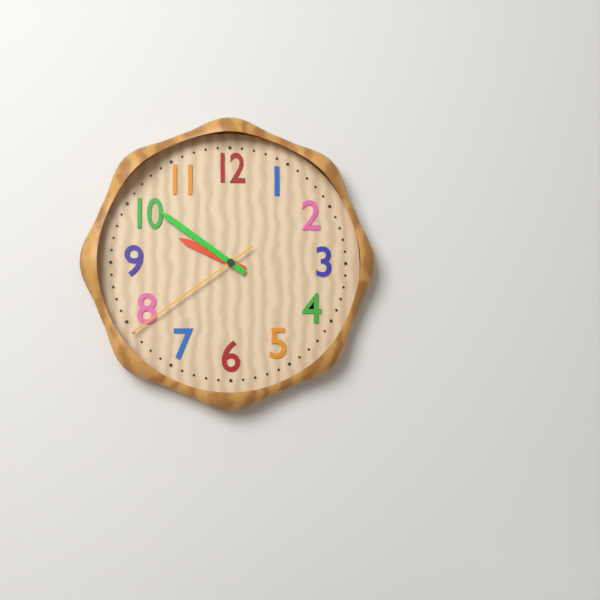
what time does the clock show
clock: 9:51:39
